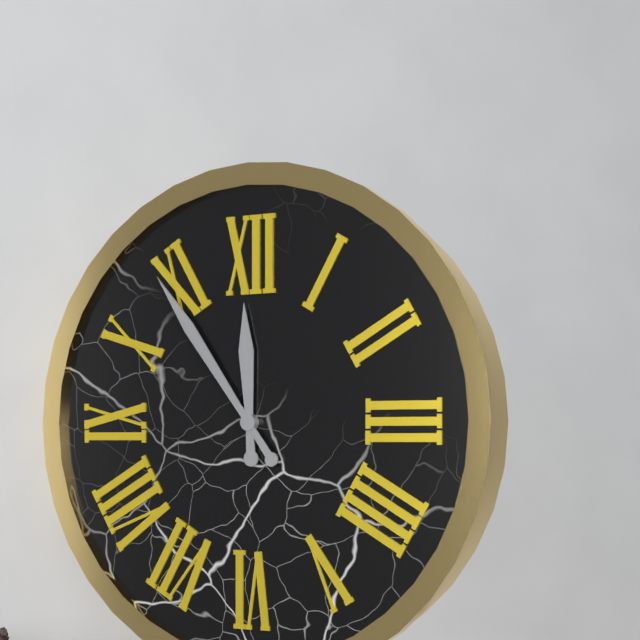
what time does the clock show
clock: 11:54
